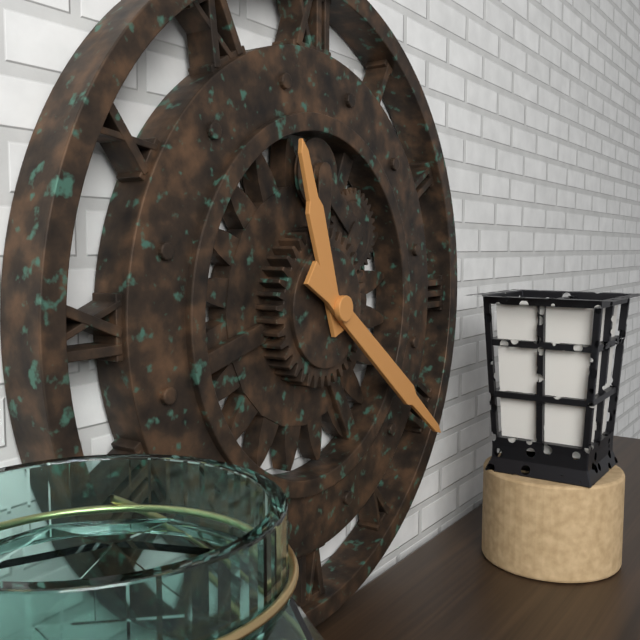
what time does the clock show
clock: 11:21
